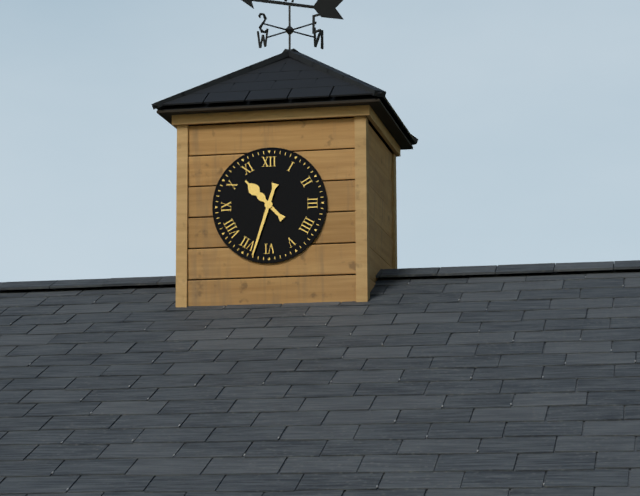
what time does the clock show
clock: 10:33
